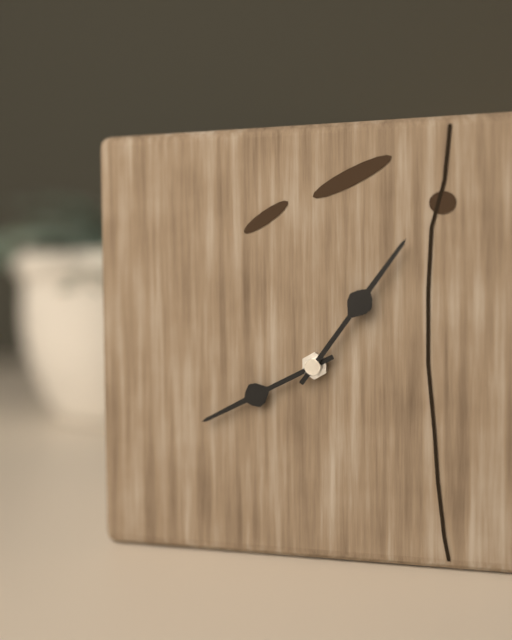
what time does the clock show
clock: 8:06
